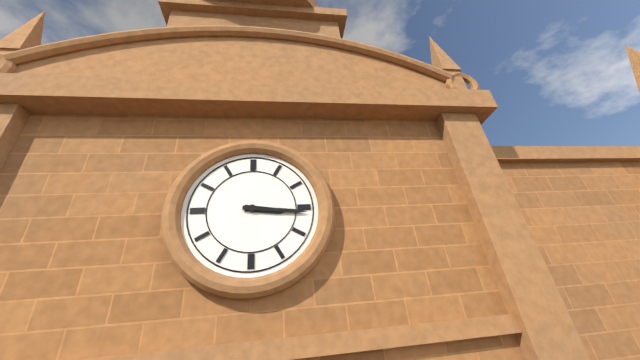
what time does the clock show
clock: 3:16
